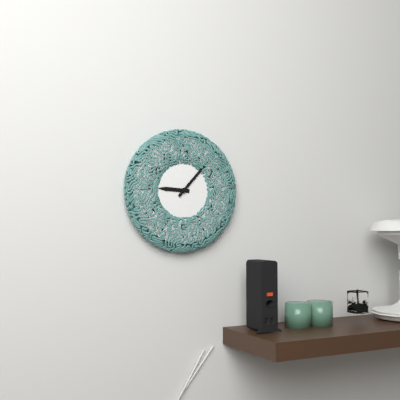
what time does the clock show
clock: 9:07
